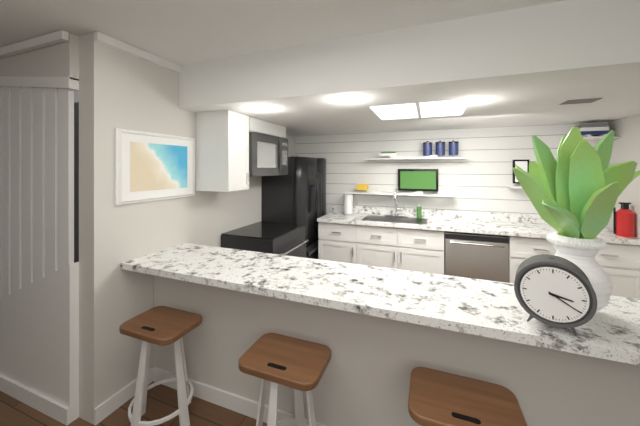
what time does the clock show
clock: 3:20
